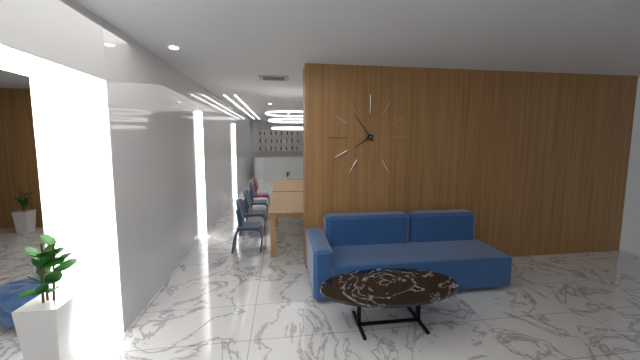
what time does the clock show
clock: 7:54
